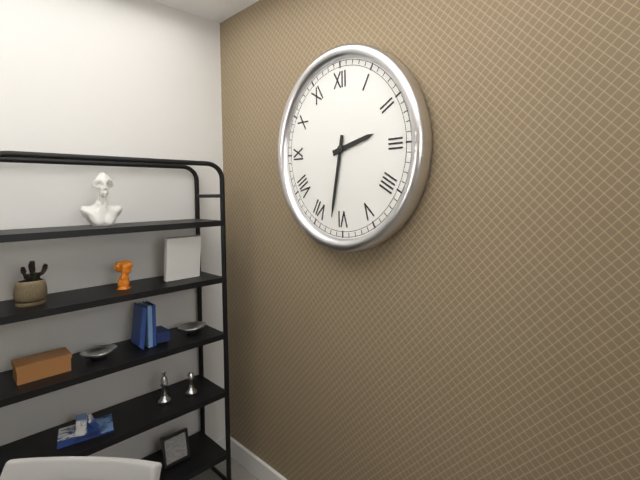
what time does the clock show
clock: 2:32
